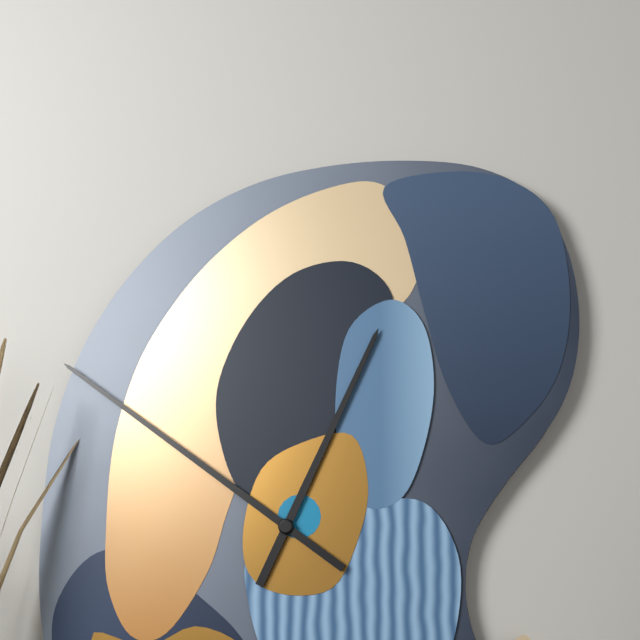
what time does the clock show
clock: 12:51
